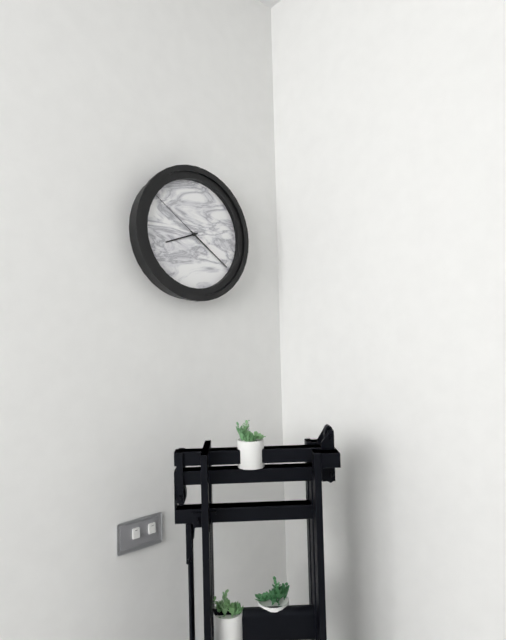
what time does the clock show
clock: 8:21:51
